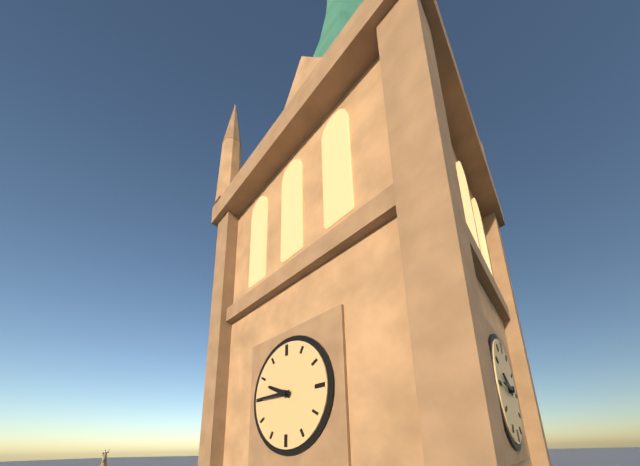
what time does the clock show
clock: 9:45
